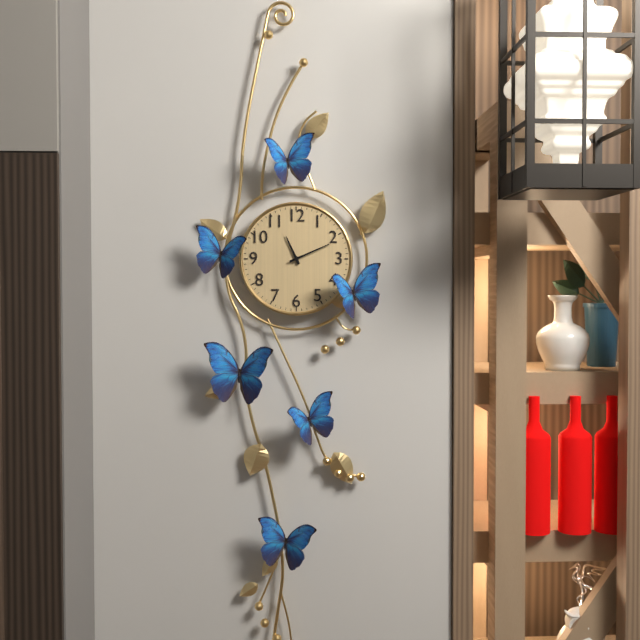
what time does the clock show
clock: 11:11
